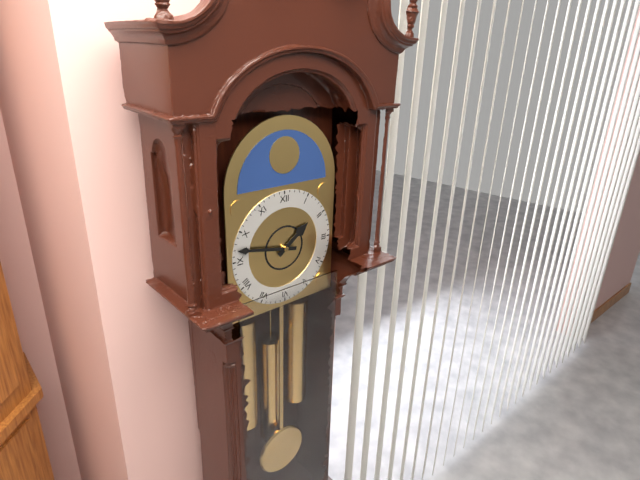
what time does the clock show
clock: 1:47
